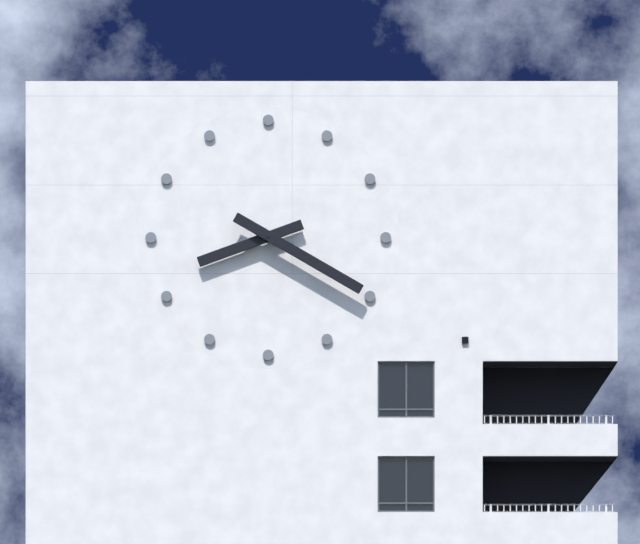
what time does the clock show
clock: 8:20
